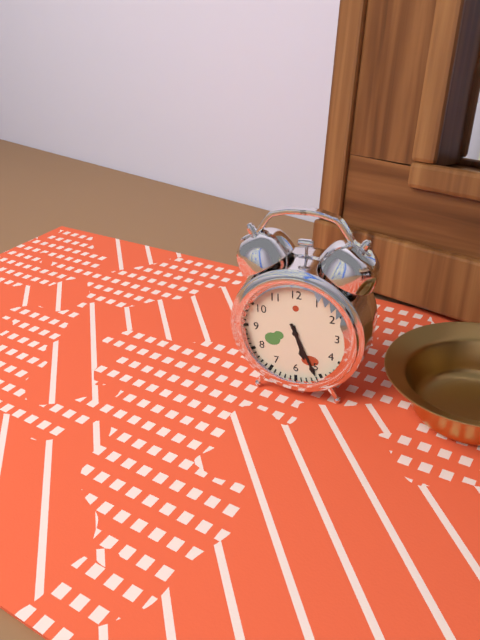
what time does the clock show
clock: 5:26
